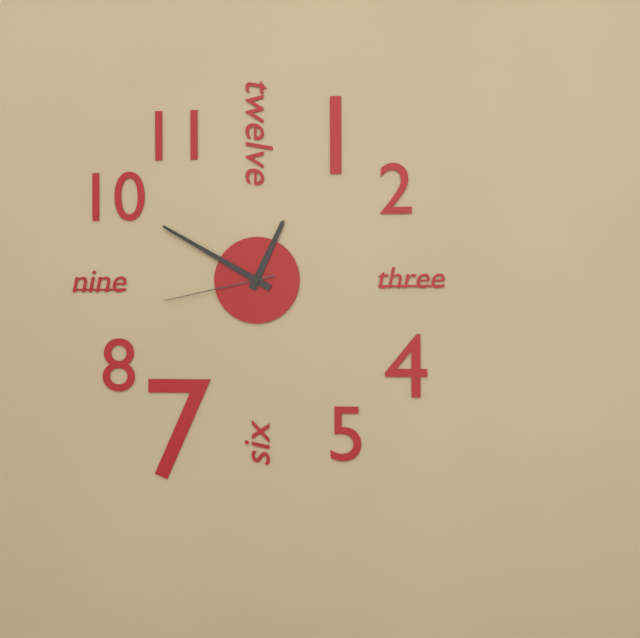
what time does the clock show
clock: 12:50:43
